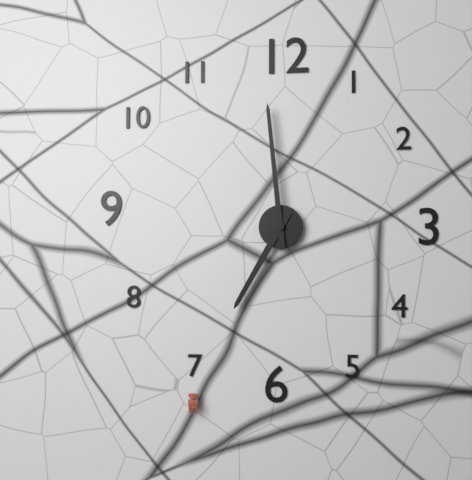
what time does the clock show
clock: 6:59
